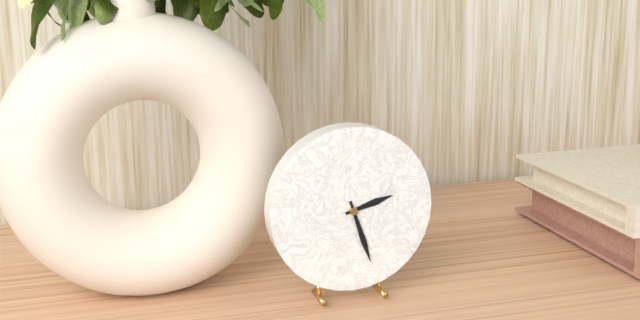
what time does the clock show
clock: 2:27
